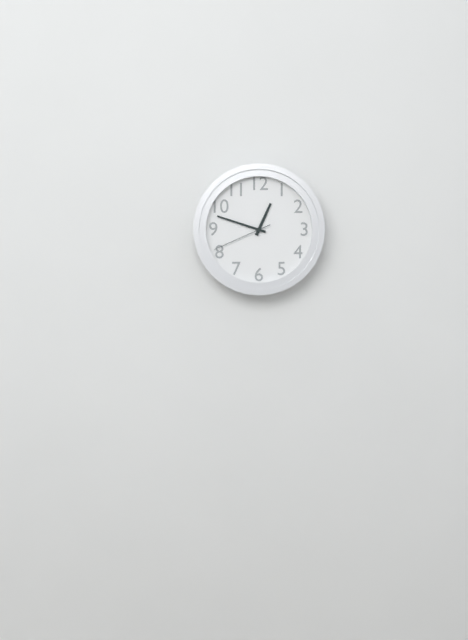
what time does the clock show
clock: 12:48:41
